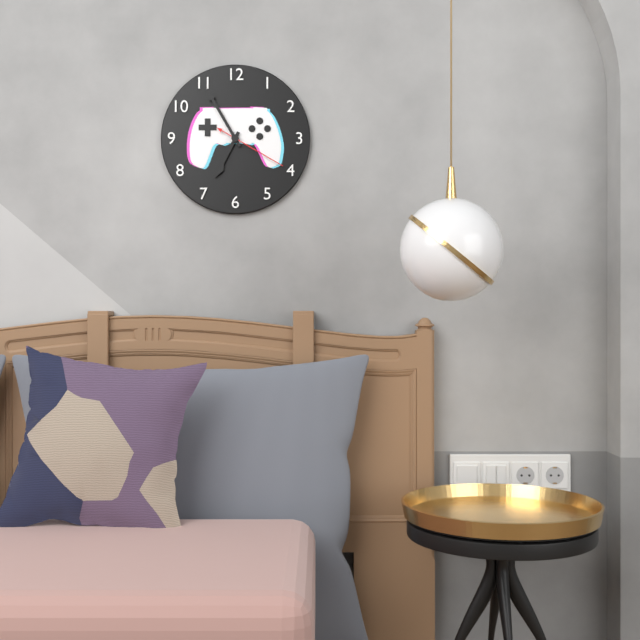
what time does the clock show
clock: 6:55:20
